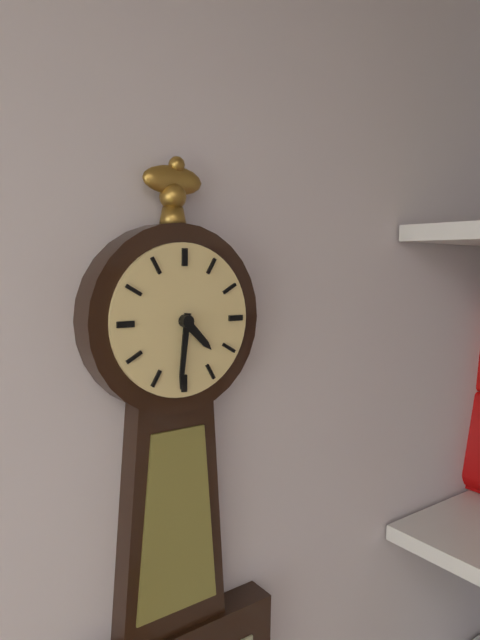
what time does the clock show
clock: 4:31
